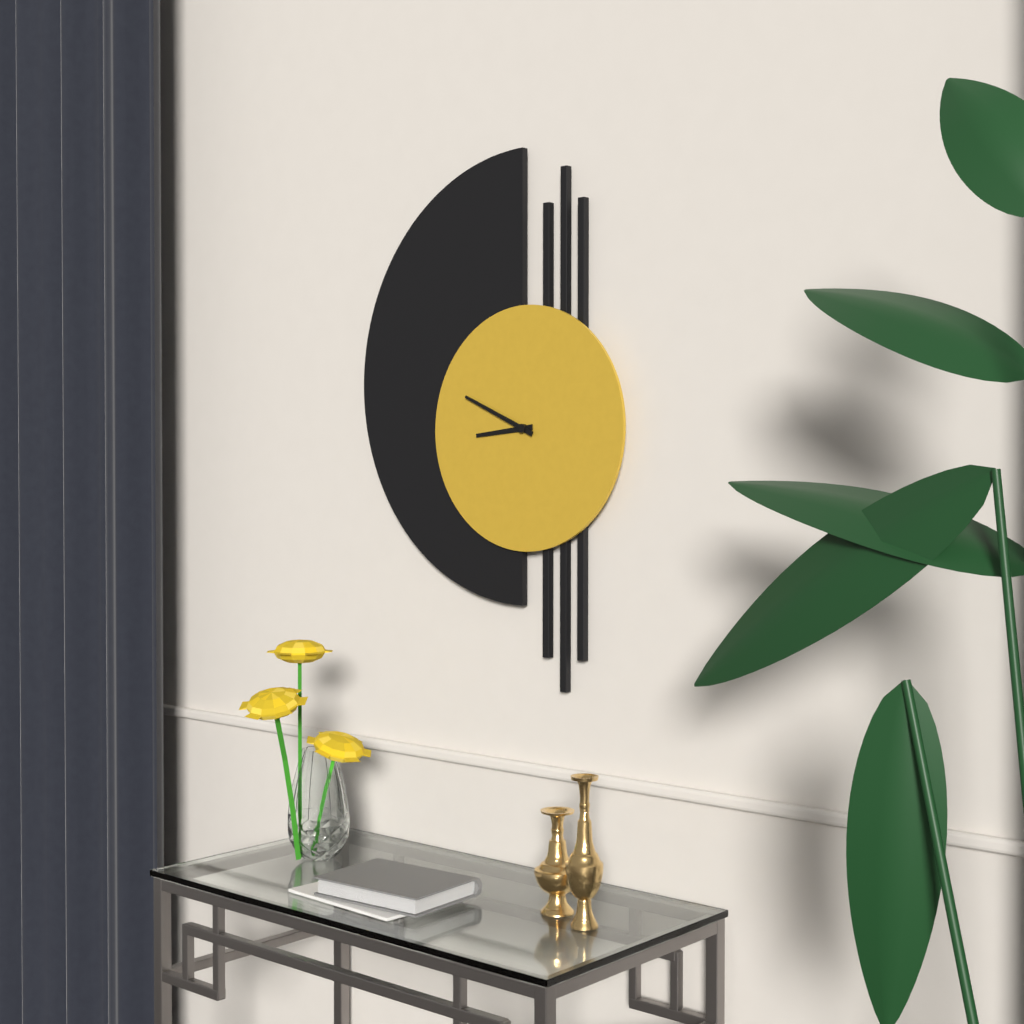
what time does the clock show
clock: 8:49
